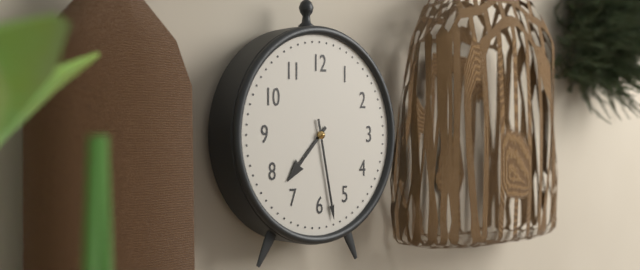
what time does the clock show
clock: 7:28
